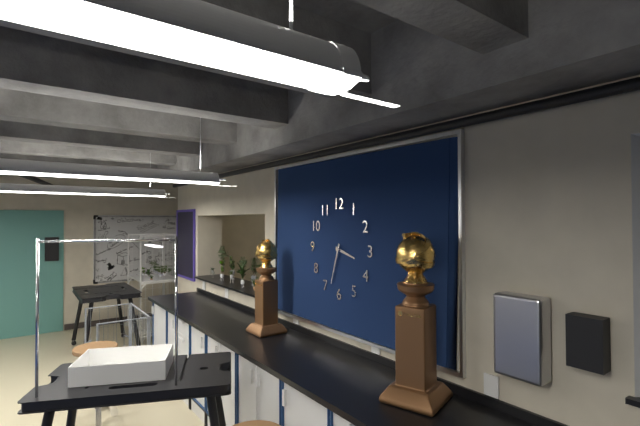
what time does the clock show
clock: 3:33
